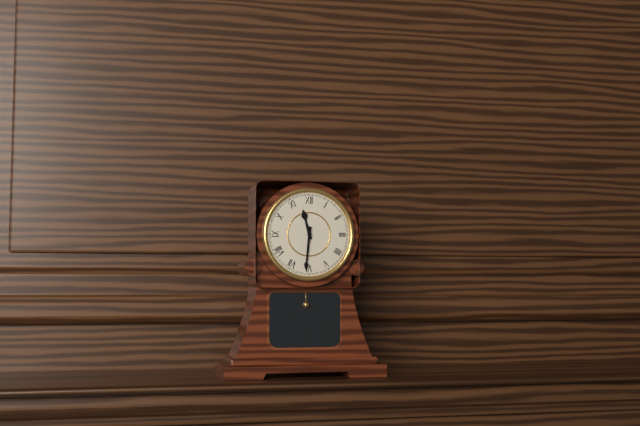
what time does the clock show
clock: 11:31
